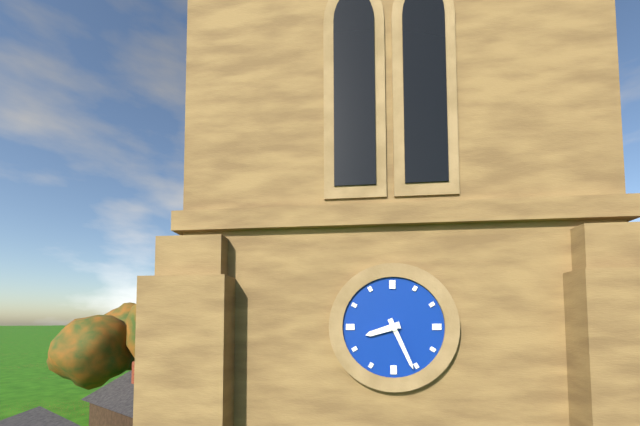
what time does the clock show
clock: 8:26
